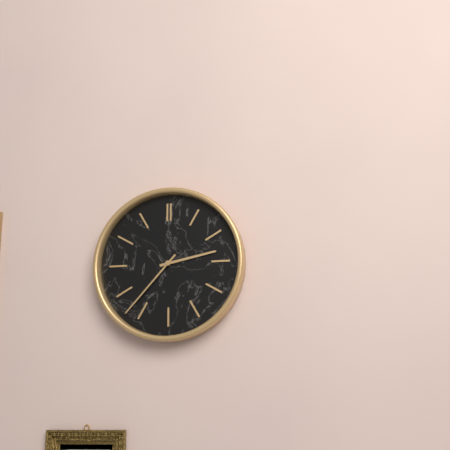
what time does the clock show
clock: 2:37
